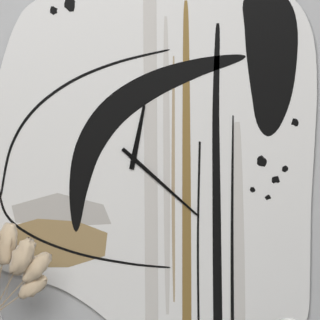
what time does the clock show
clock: 12:22
